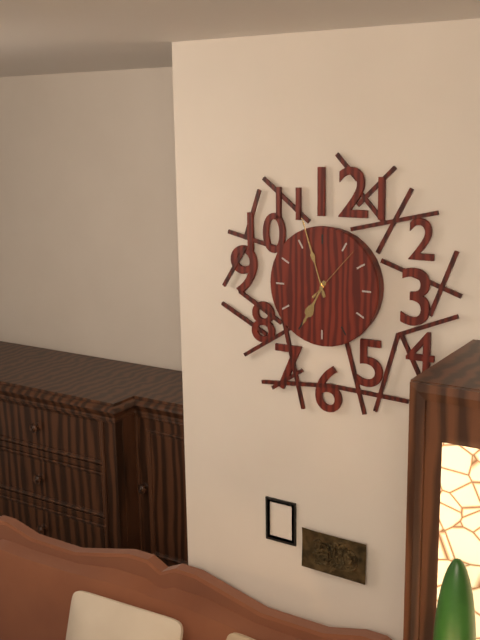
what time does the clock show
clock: 6:57:07
